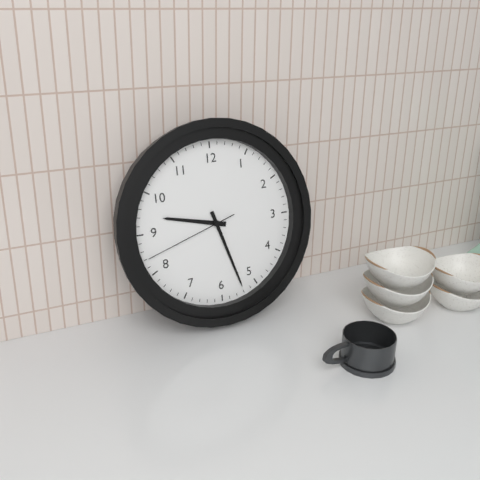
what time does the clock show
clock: 9:27:42
